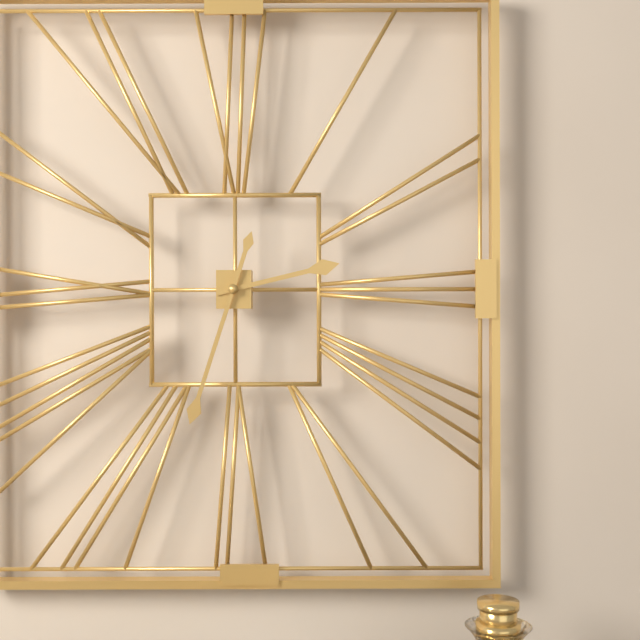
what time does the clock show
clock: 2:33
